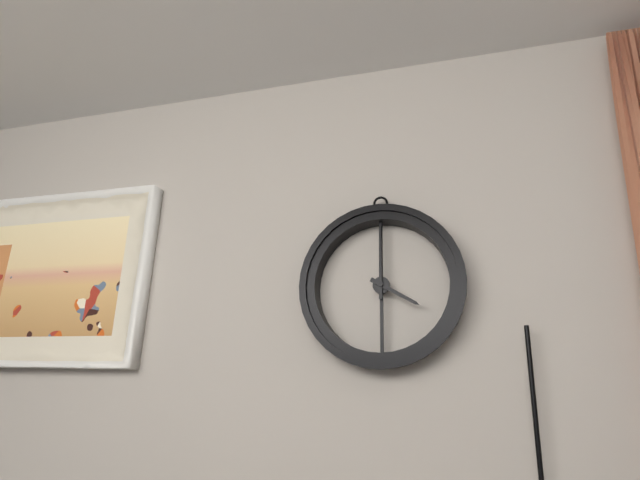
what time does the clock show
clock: 4:00
